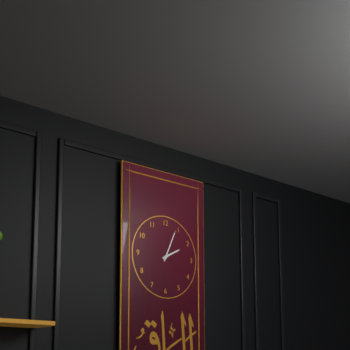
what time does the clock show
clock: 2:04
